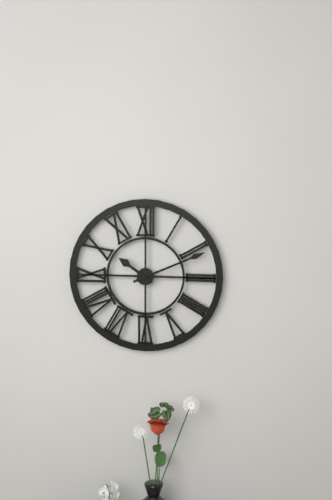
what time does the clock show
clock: 10:11
